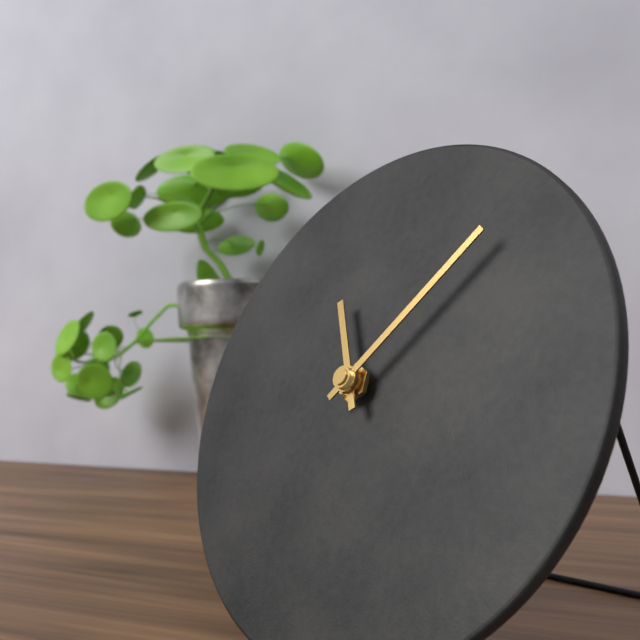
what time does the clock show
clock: 11:07
